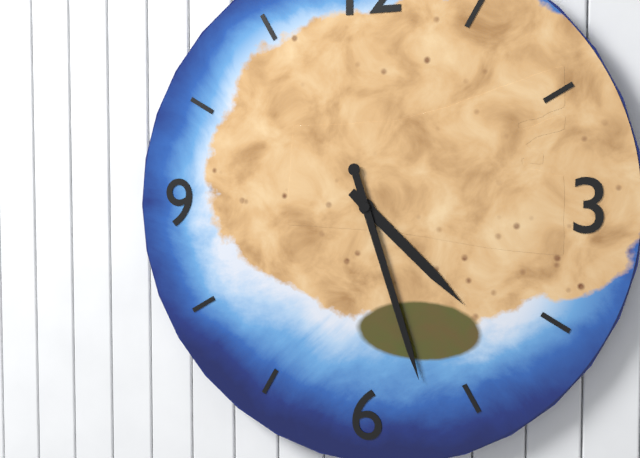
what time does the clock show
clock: 4:27
